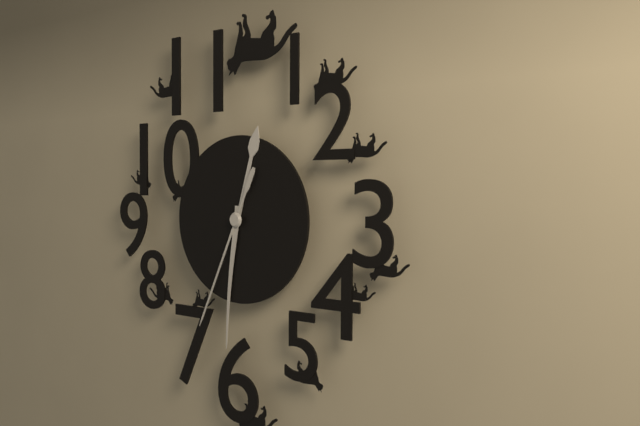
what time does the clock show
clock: 12:31:34
